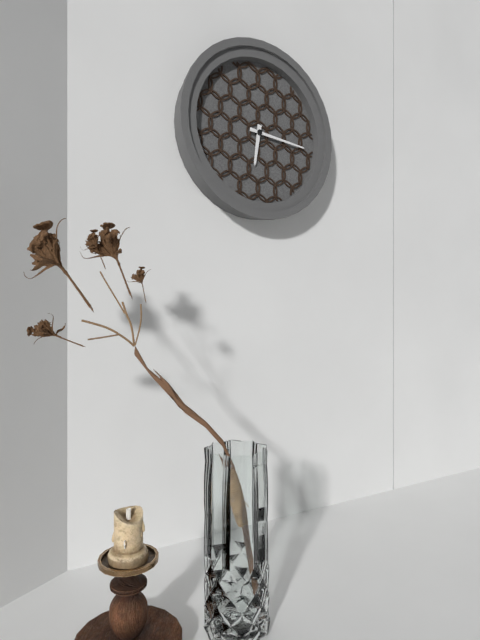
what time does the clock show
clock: 6:16
